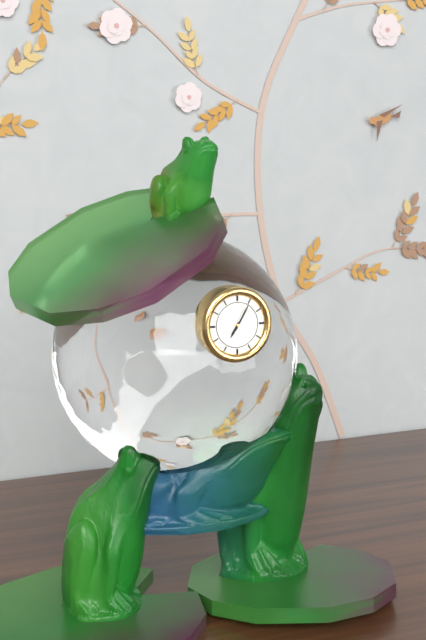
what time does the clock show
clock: 7:05
